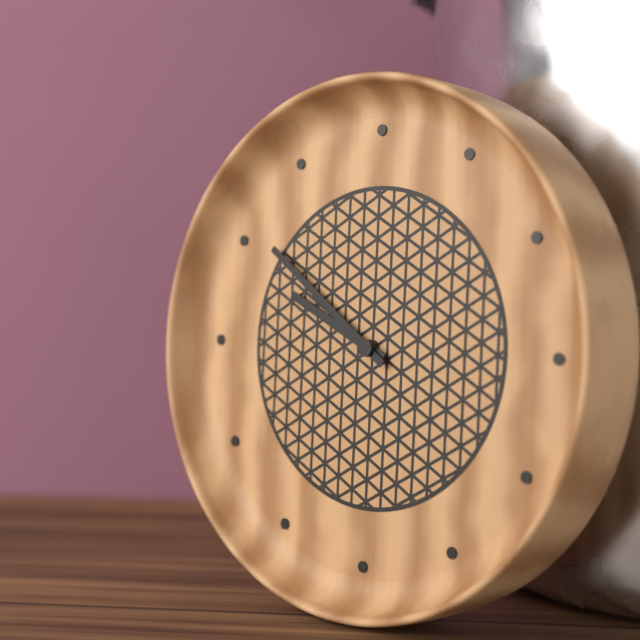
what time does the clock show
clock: 9:51
